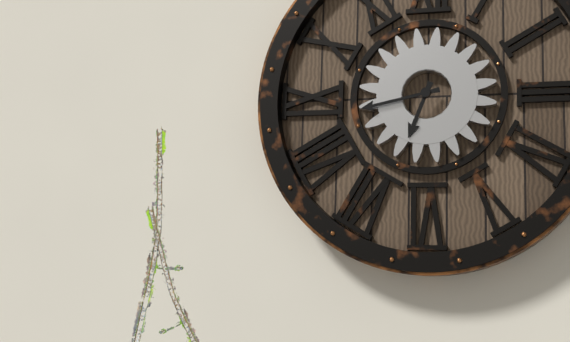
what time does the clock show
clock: 6:43
